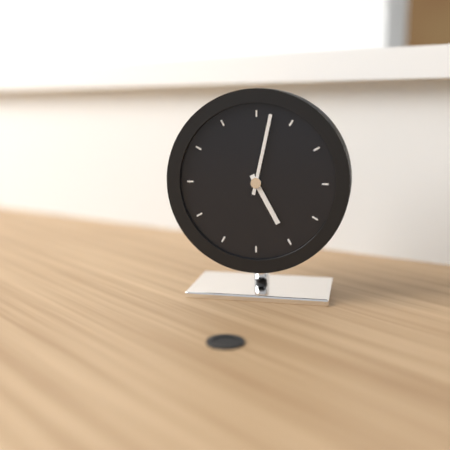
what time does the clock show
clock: 5:02
